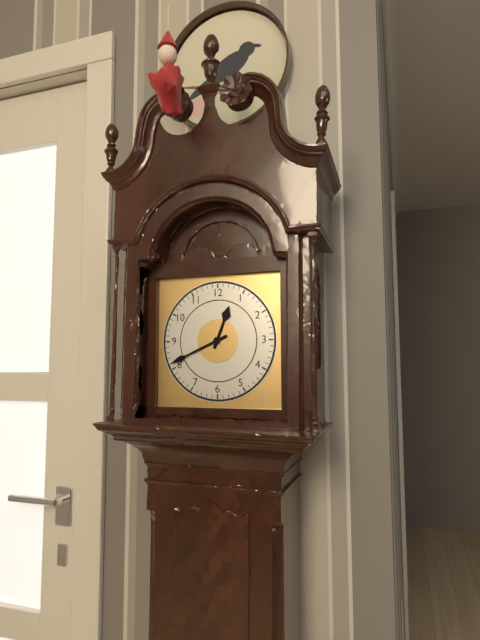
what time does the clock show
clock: 12:41
